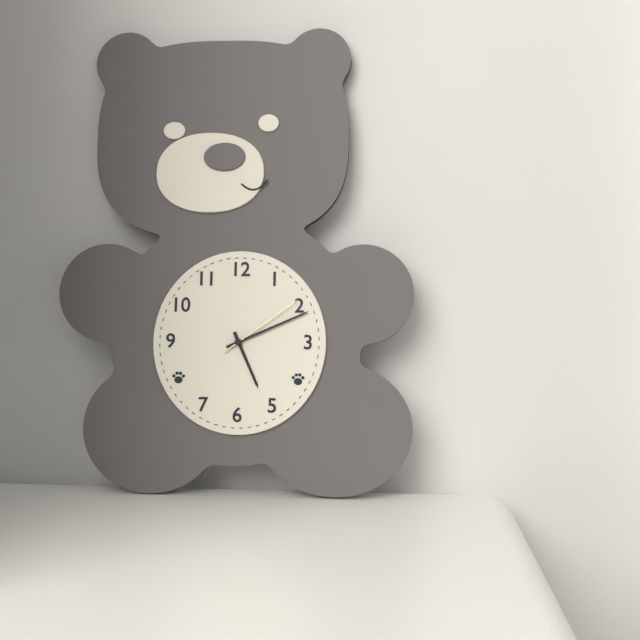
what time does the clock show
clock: 5:11:09
